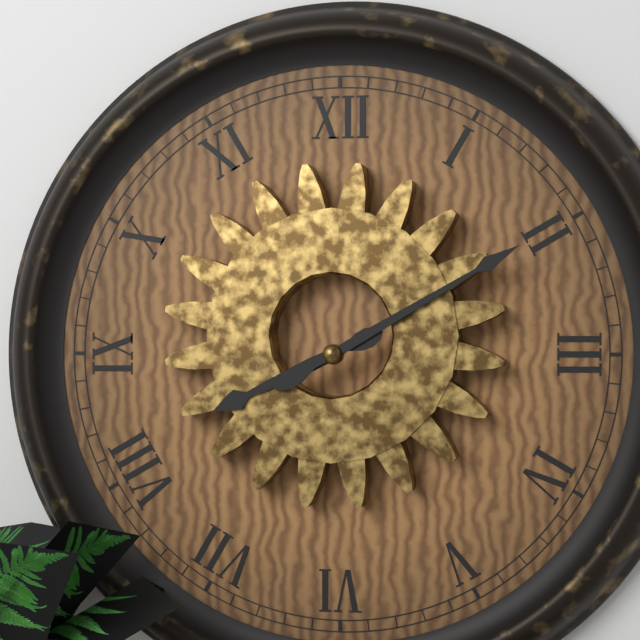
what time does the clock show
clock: 8:10
